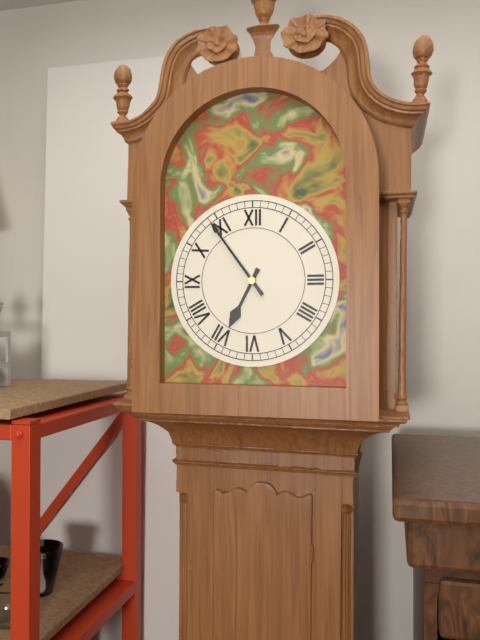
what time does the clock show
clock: 6:54
